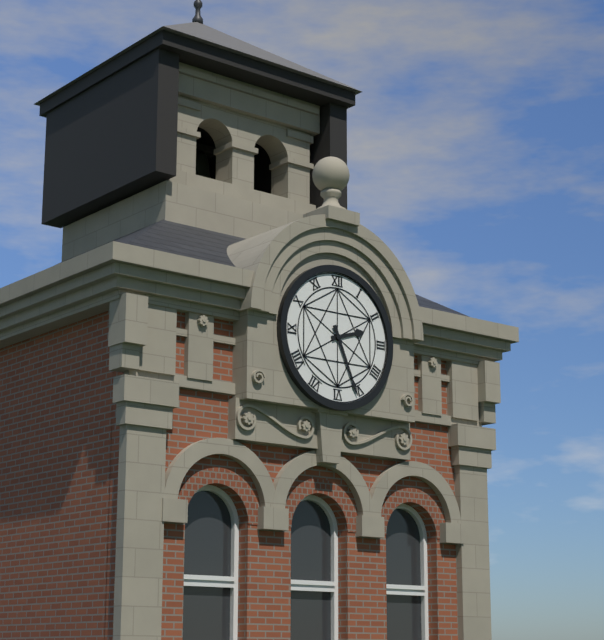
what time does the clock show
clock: 2:26
